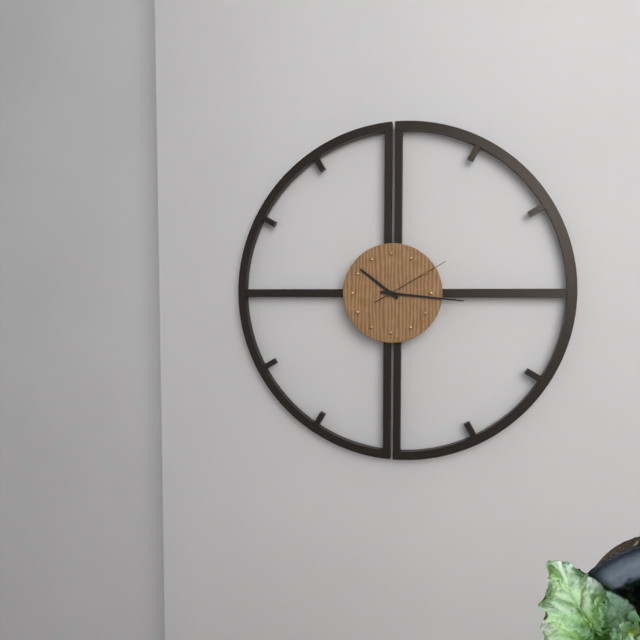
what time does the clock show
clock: 10:16:10
